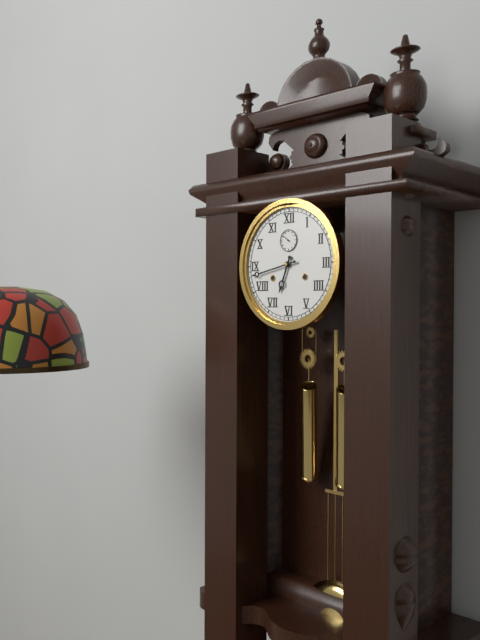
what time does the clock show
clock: 6:43
